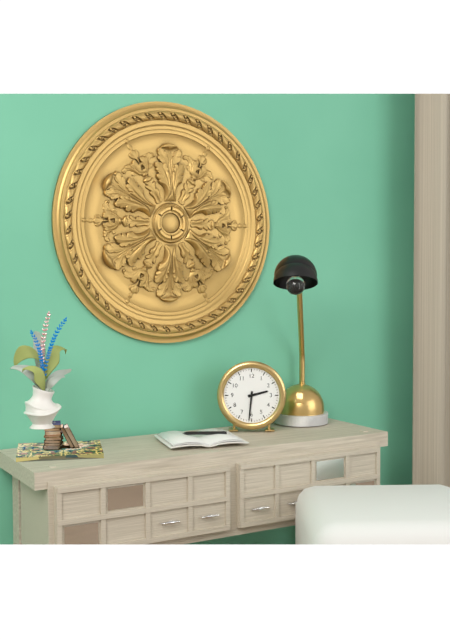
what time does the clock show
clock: 2:31
